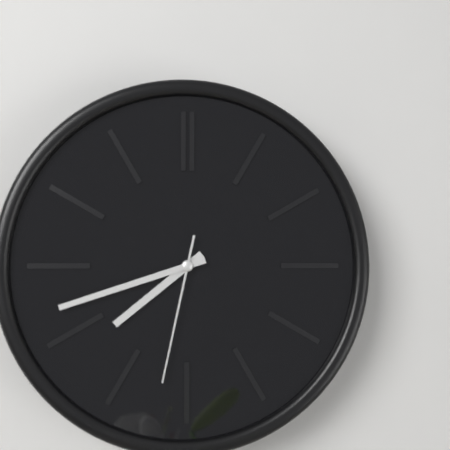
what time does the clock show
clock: 7:42:32
